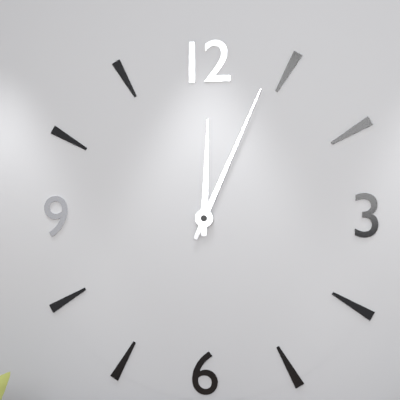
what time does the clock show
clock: 12:04
